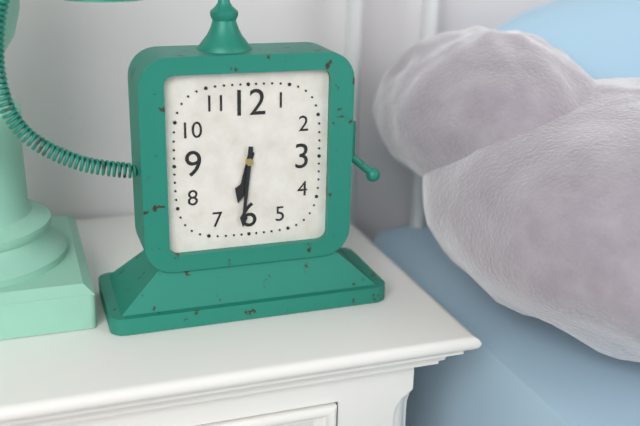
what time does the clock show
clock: 6:31
